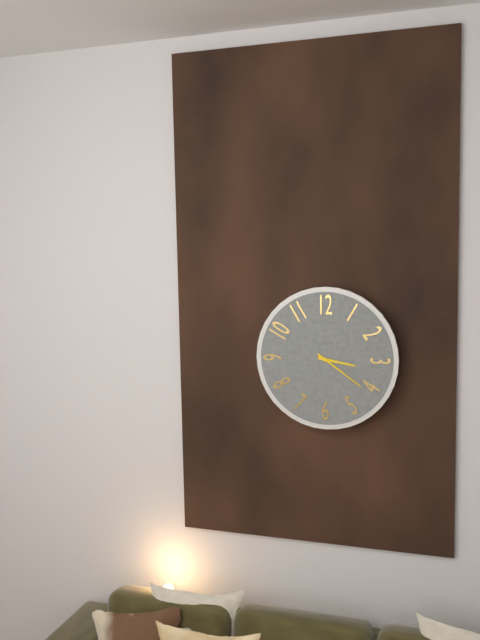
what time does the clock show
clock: 3:21
